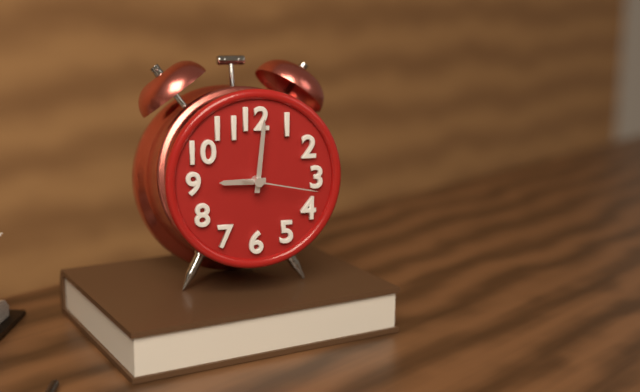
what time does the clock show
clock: 9:01:17
